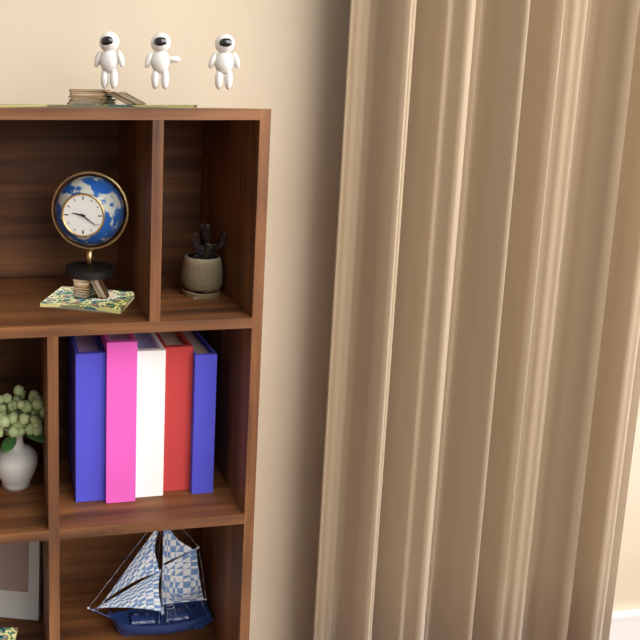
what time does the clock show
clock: 9:21
